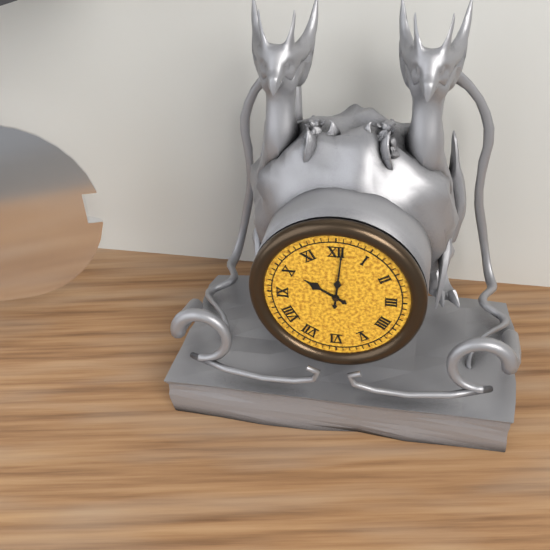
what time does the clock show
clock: 10:01
